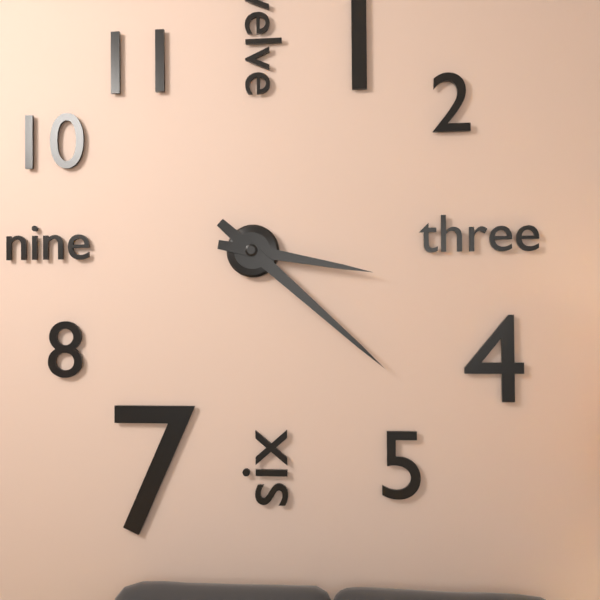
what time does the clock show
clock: 3:22
